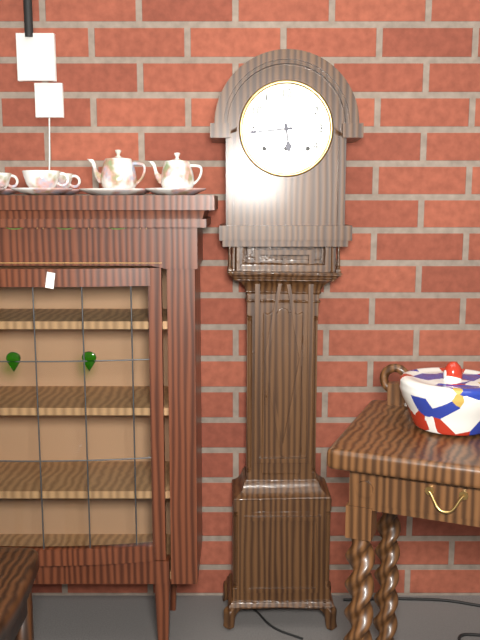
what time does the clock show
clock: 5:44
